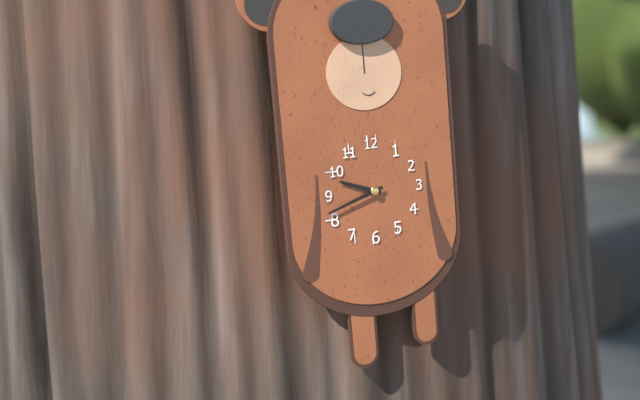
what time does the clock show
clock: 9:42
